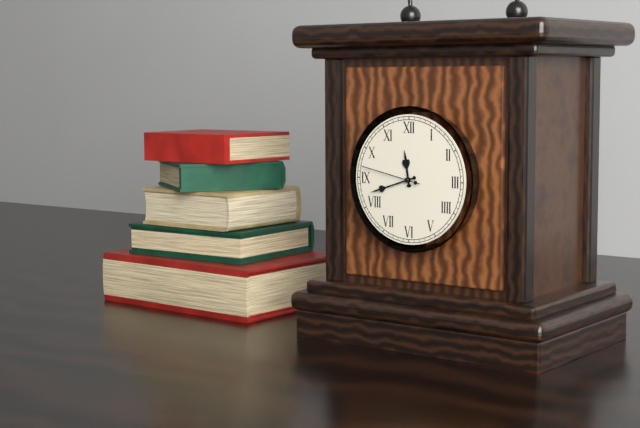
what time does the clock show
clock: 11:42:47
